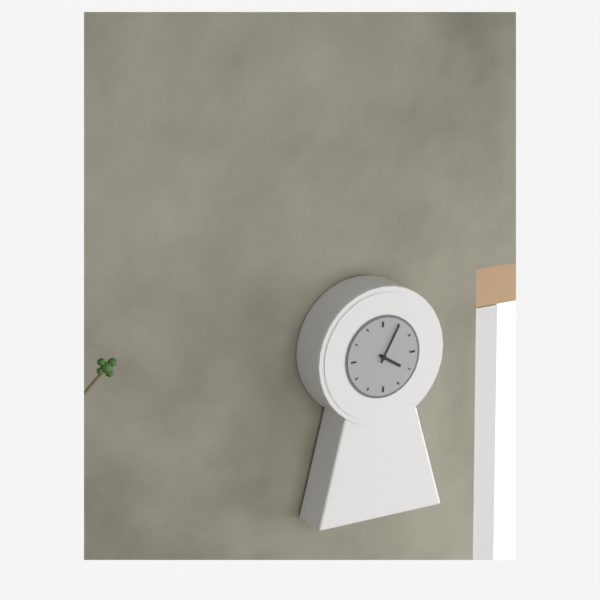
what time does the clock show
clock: 4:05
